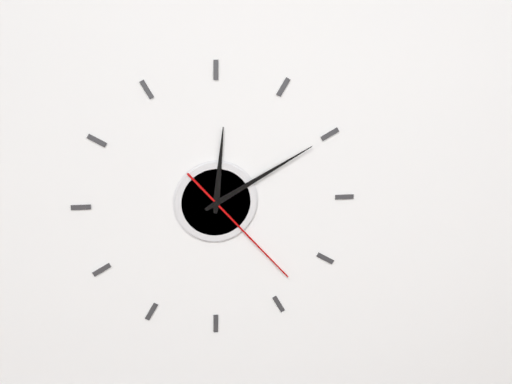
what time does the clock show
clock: 12:10:23
